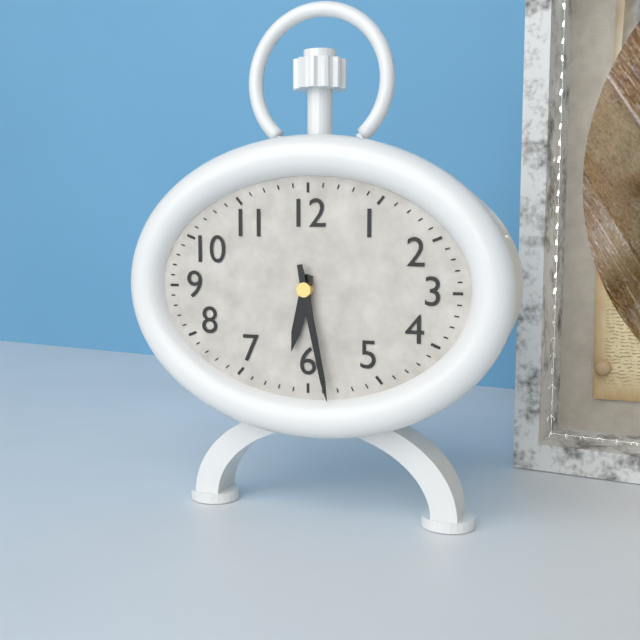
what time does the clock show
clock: 6:28
